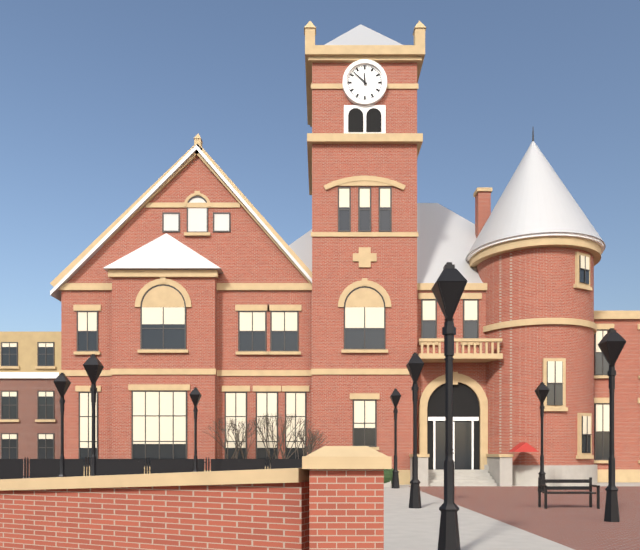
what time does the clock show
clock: 11:52
